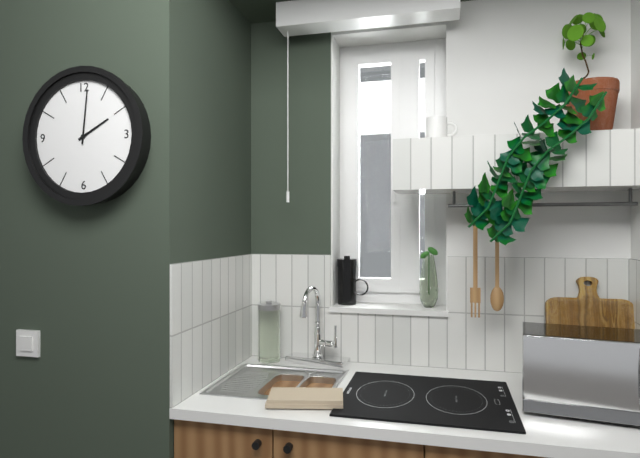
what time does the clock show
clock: 2:01
